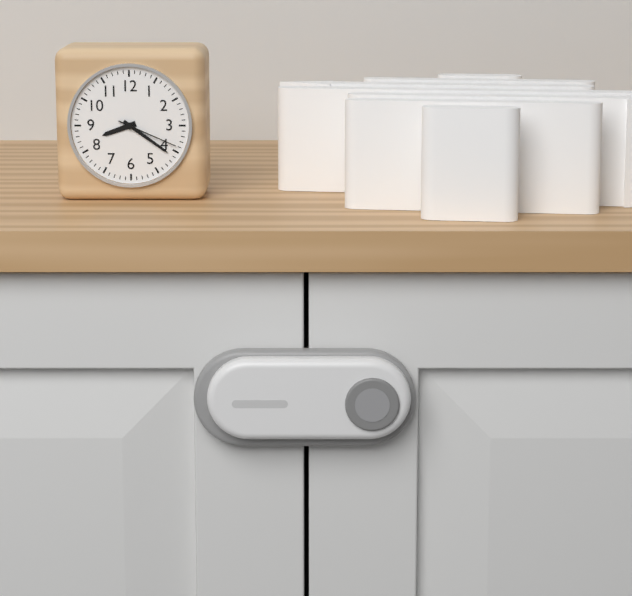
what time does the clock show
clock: 8:21:19
